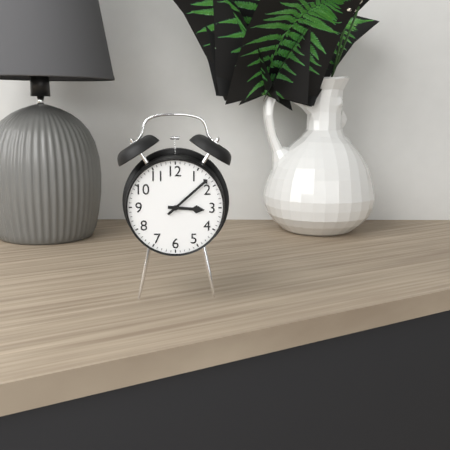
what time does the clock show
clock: 3:08
